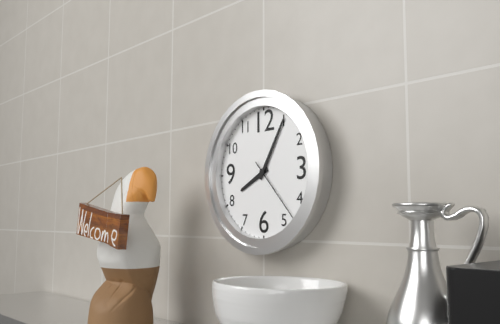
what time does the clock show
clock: 8:05:23
